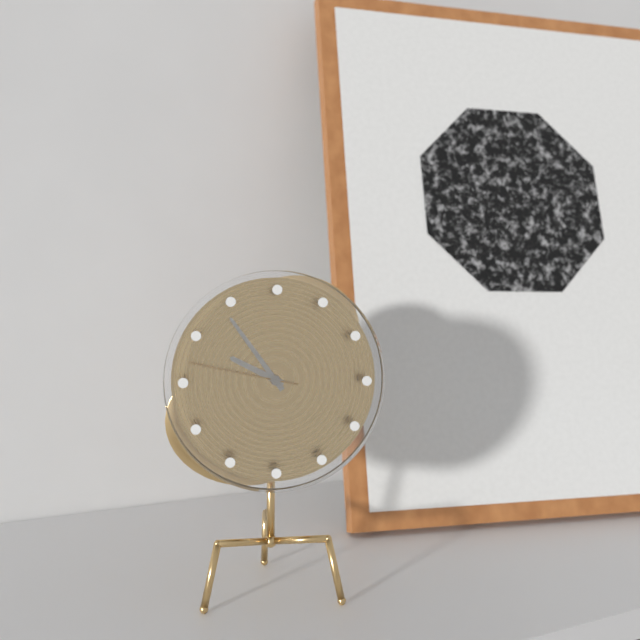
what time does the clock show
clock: 9:54:47
